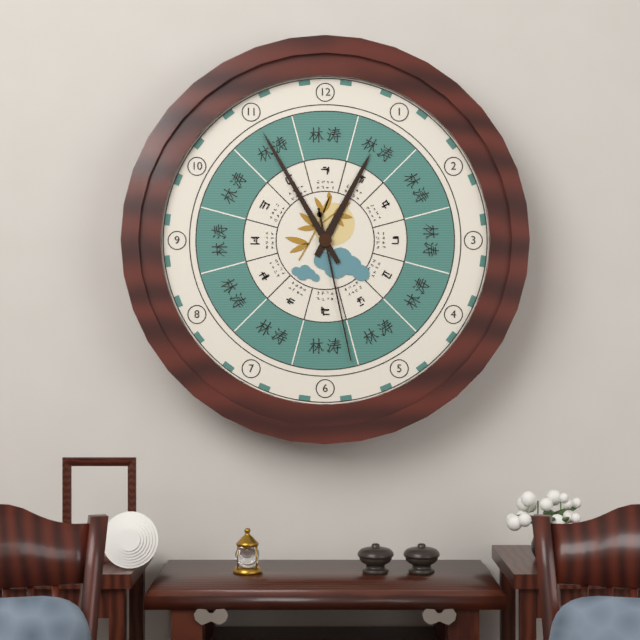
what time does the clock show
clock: 12:55:28
